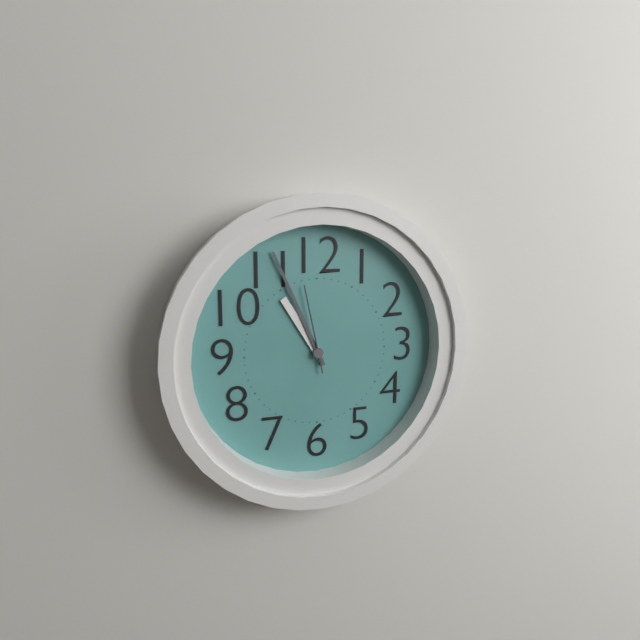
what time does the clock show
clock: 10:56:58
